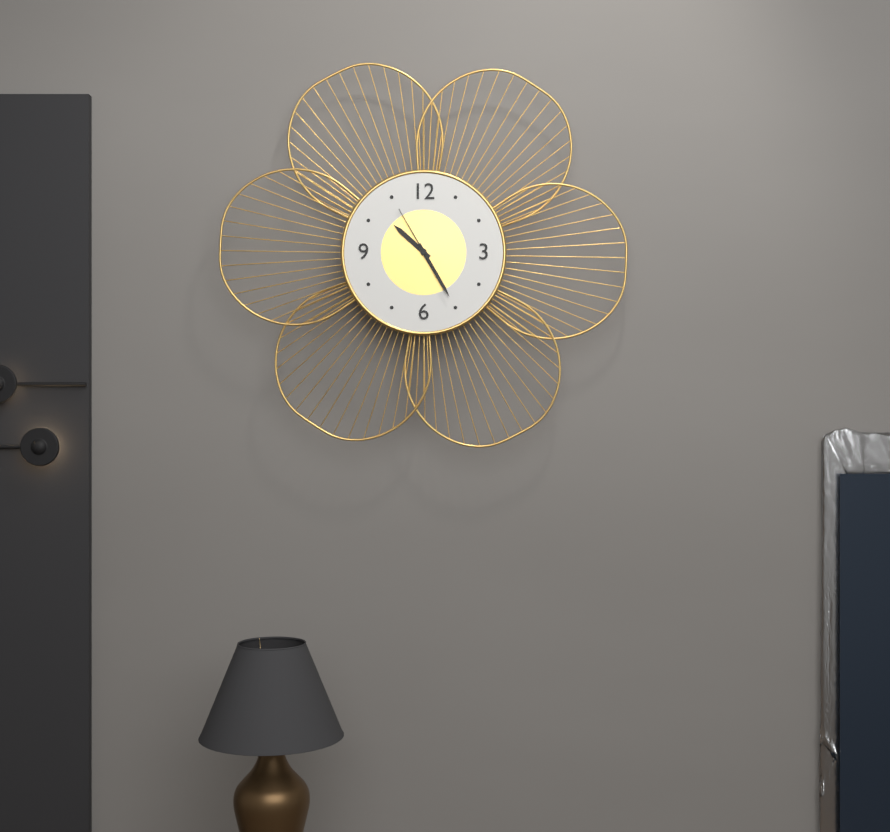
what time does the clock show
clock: 10:25:55
